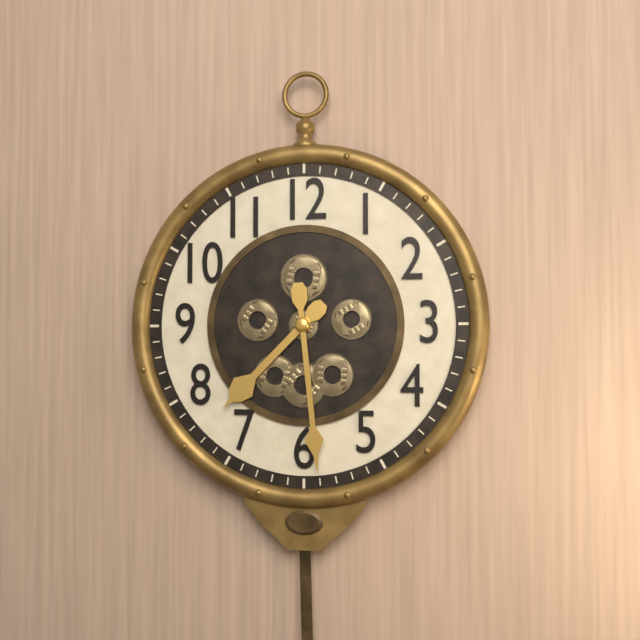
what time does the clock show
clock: 7:29
